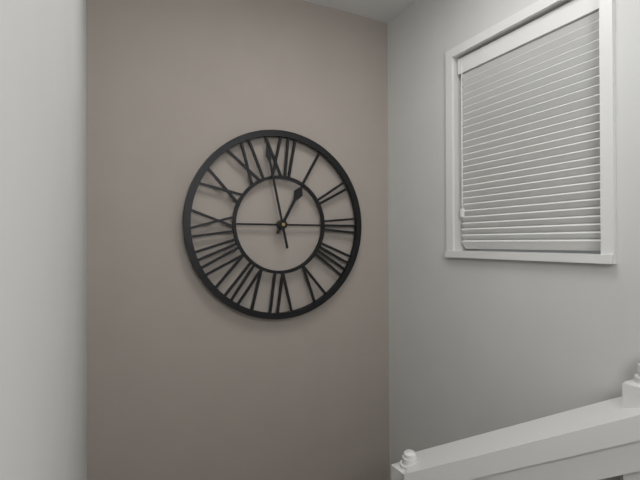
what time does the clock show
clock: 12:58
